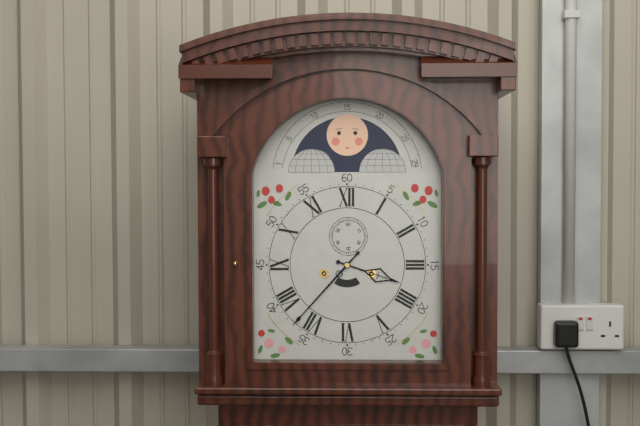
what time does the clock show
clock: 3:37
